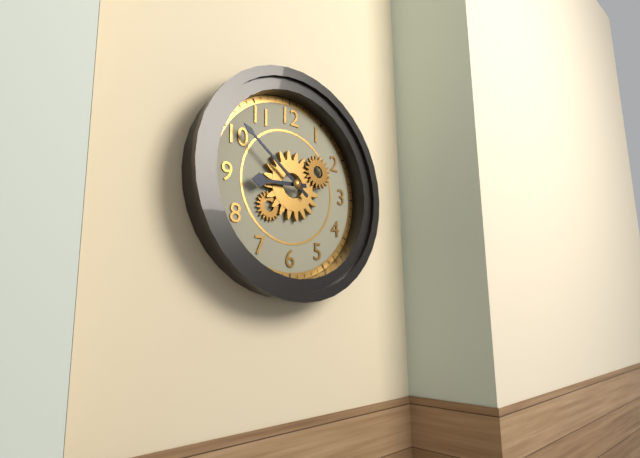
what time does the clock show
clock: 8:51
